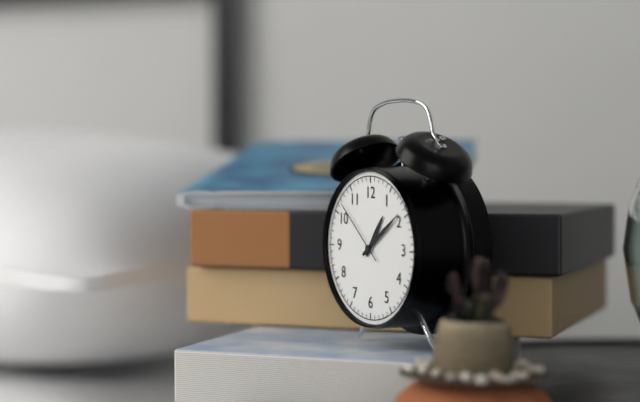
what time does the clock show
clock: 1:09:52
